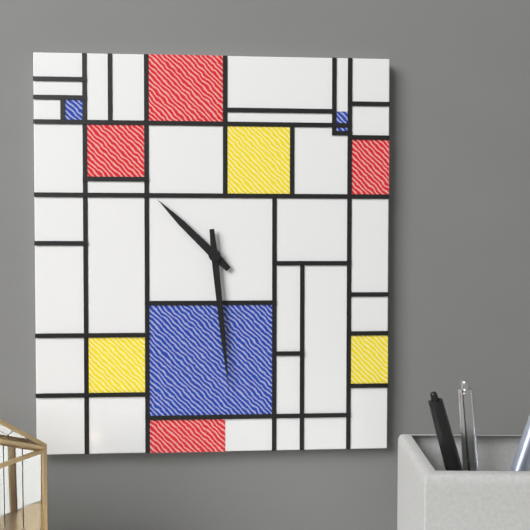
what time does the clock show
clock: 10:29
